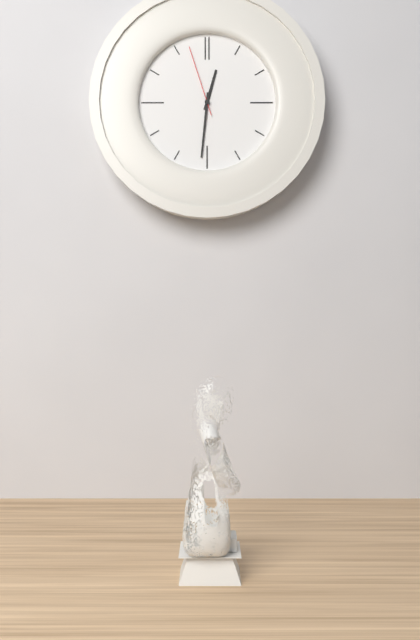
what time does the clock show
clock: 12:31:57
